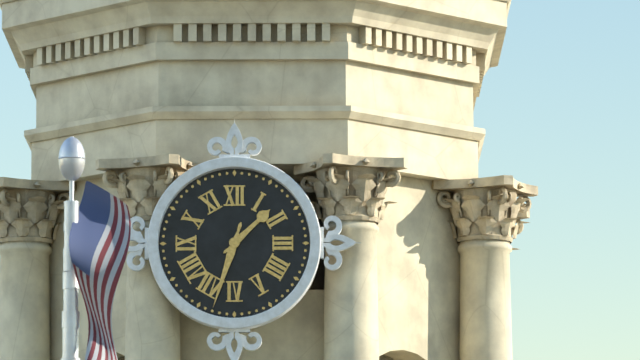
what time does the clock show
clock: 1:33
